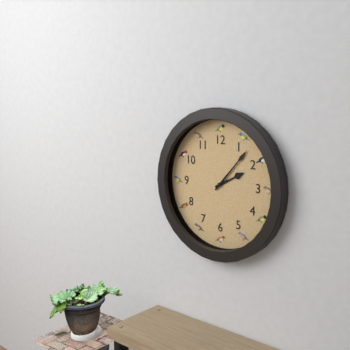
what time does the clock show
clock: 2:07
